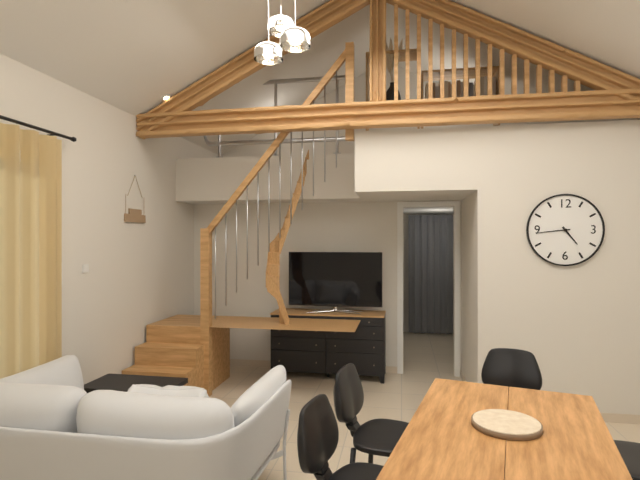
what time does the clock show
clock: 4:44
